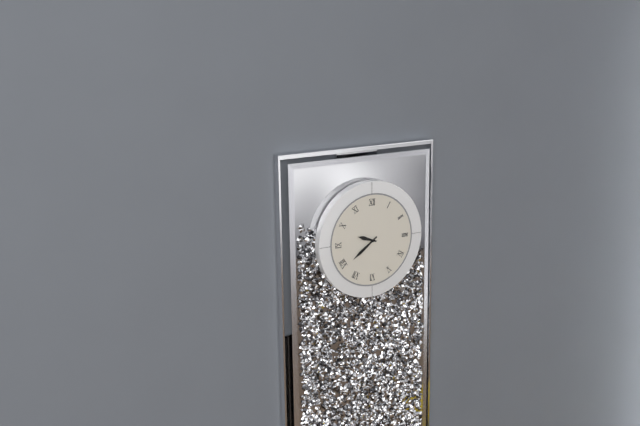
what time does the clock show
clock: 9:39
